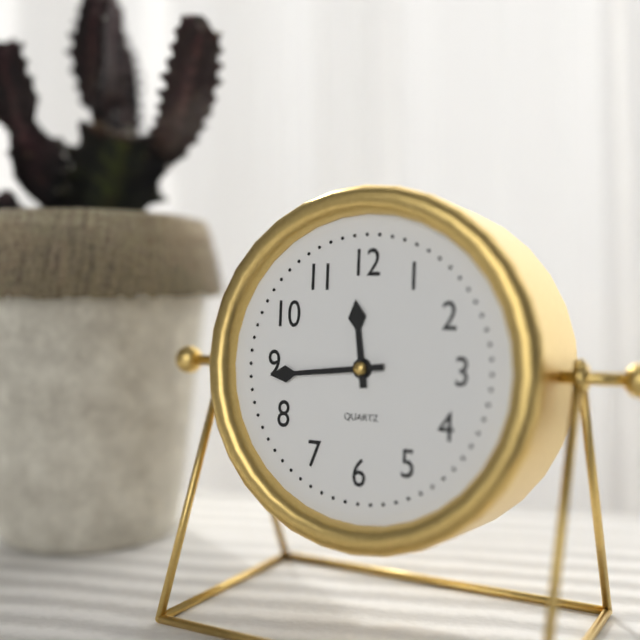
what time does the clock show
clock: 11:44
